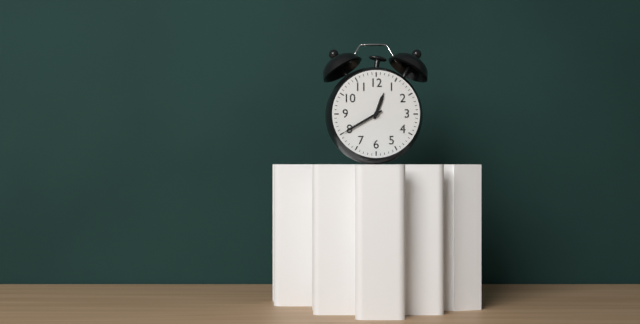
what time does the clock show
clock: 12:40
